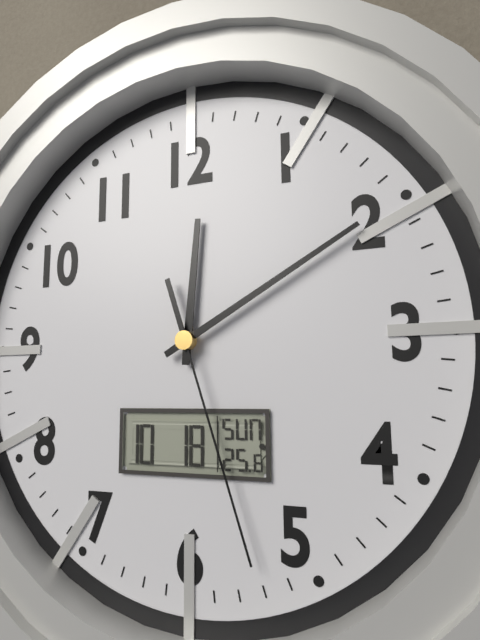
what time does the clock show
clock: 12:10:27
